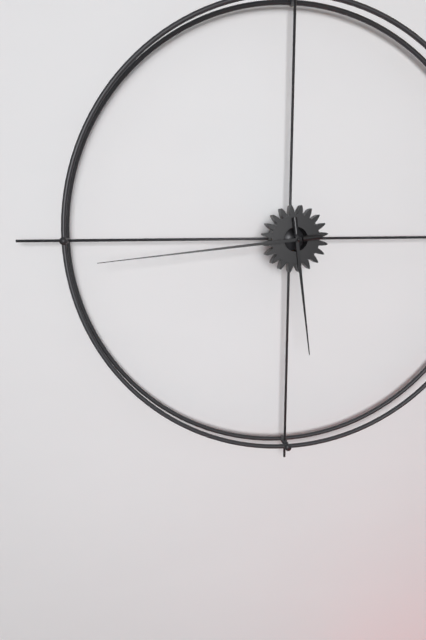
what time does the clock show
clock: 5:44
